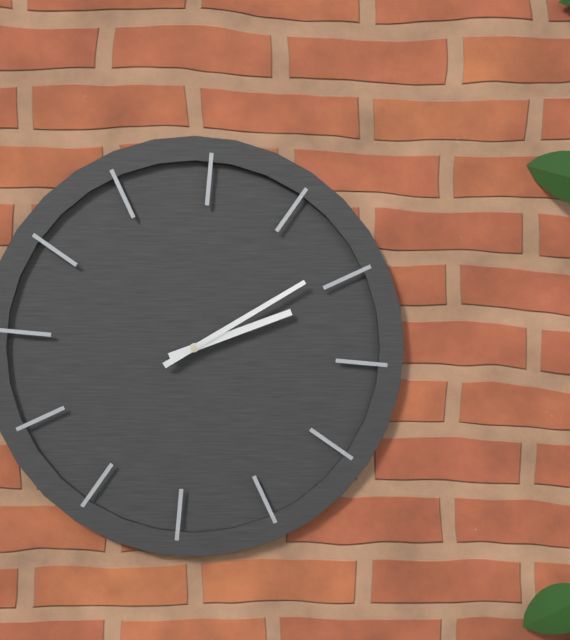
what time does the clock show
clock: 2:09
